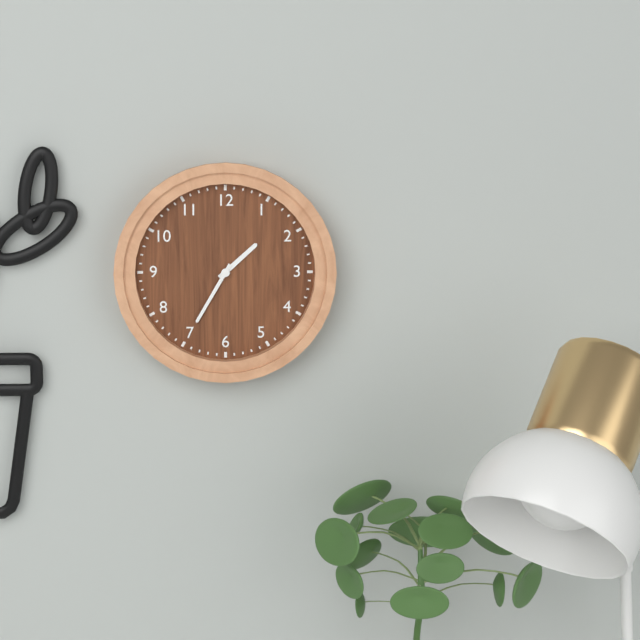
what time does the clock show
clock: 1:35
